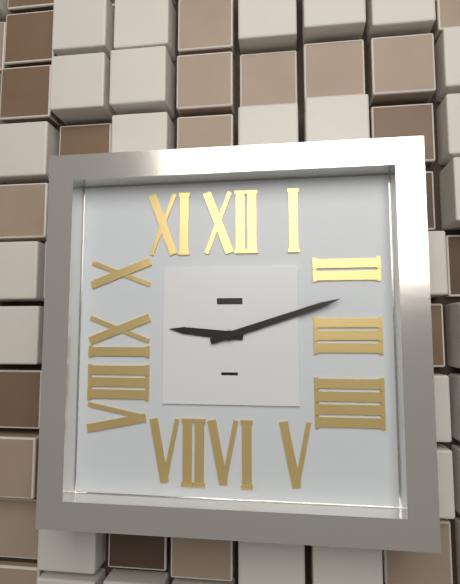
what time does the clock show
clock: 9:12
